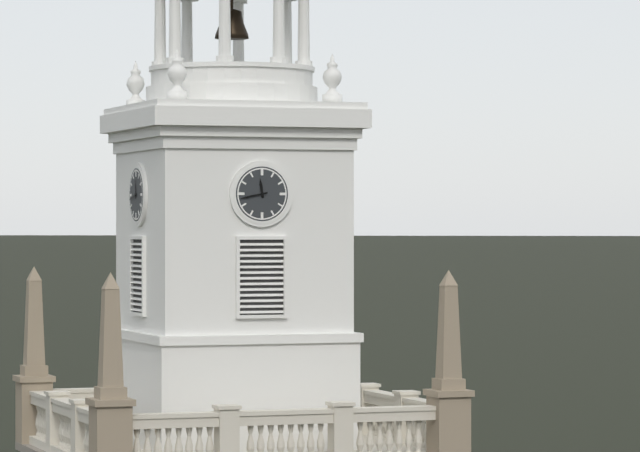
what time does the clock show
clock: 11:43
